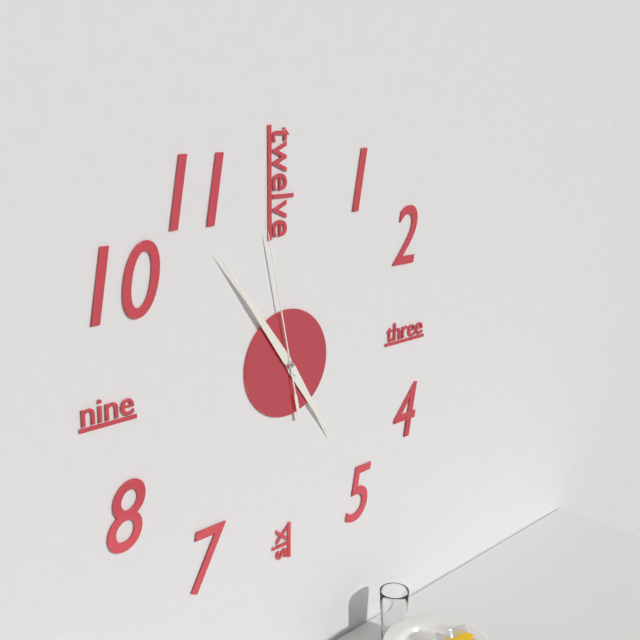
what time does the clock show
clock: 4:54:58
